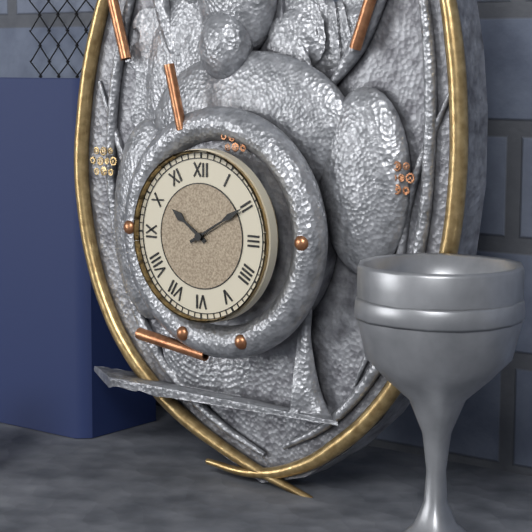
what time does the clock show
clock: 10:10
